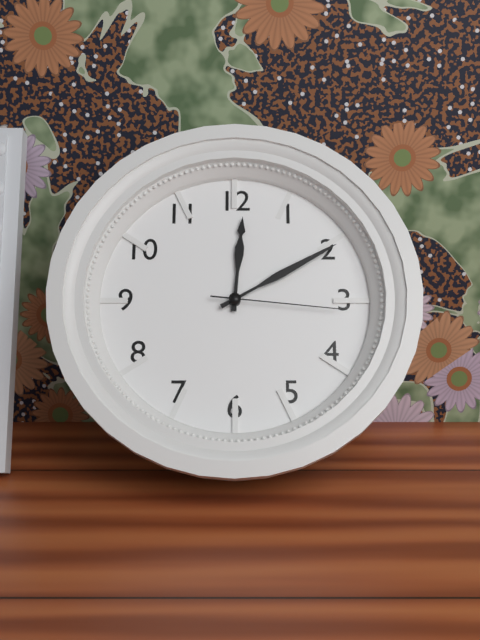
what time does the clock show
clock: 12:10:16
